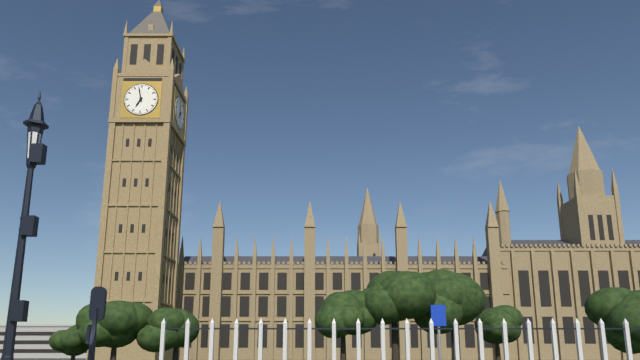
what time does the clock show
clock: 6:58
